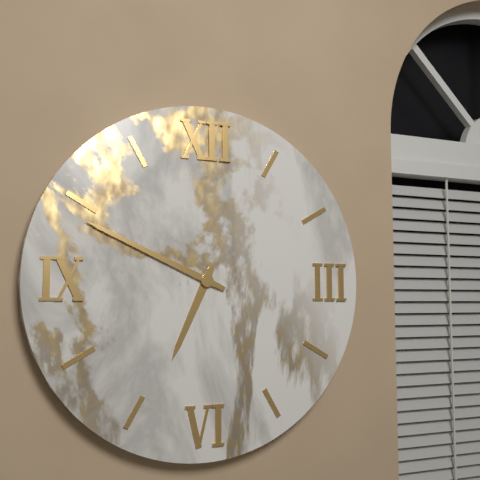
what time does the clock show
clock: 6:49
